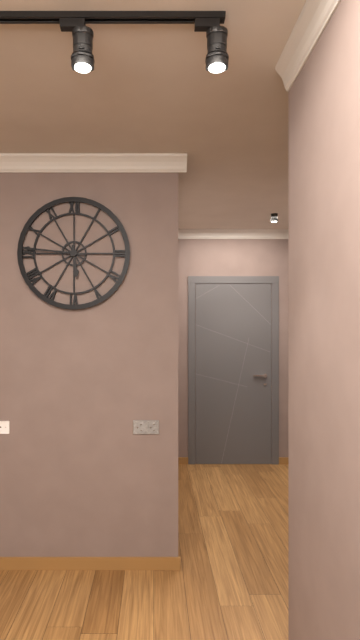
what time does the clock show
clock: 5:46
